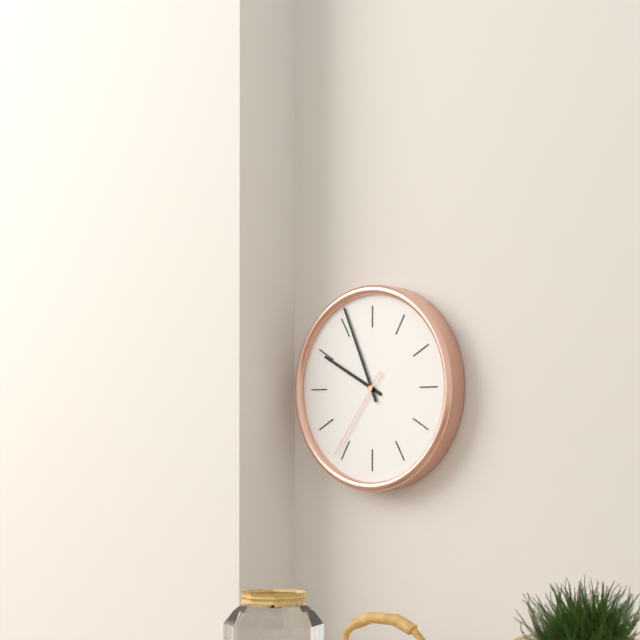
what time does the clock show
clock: 9:56:36
